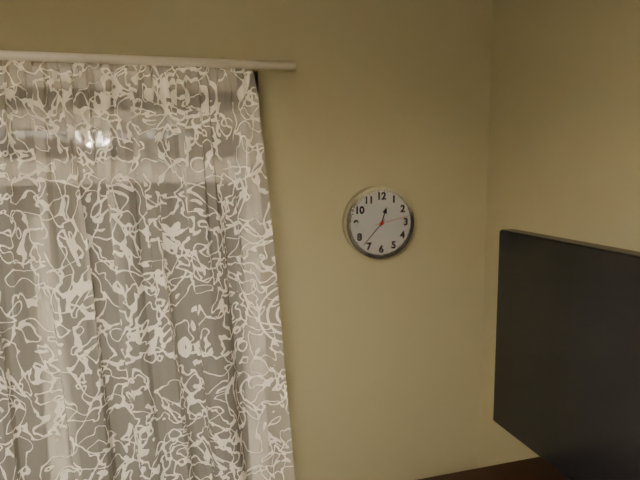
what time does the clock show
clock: 12:37
